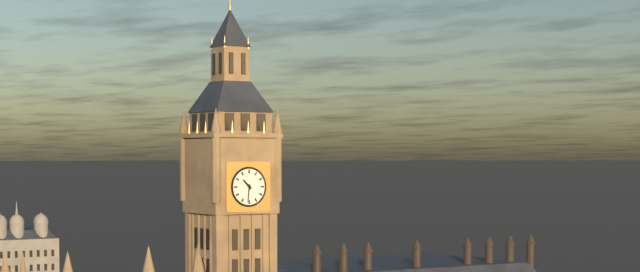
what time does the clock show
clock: 10:31
